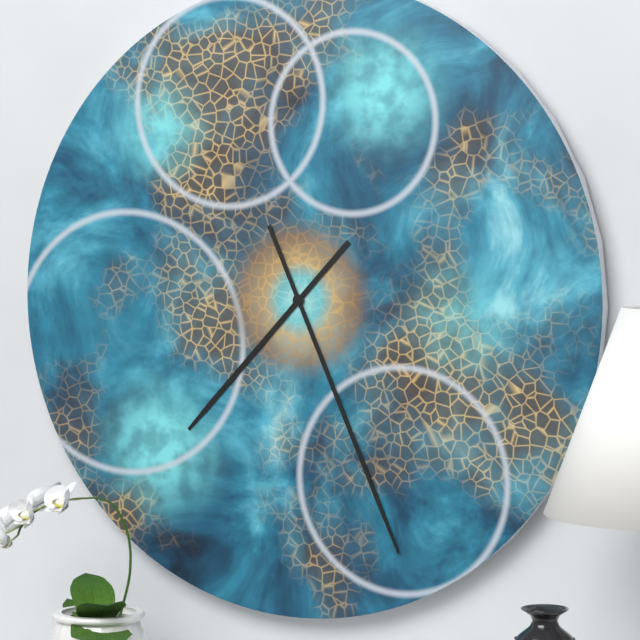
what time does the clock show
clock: 7:26
